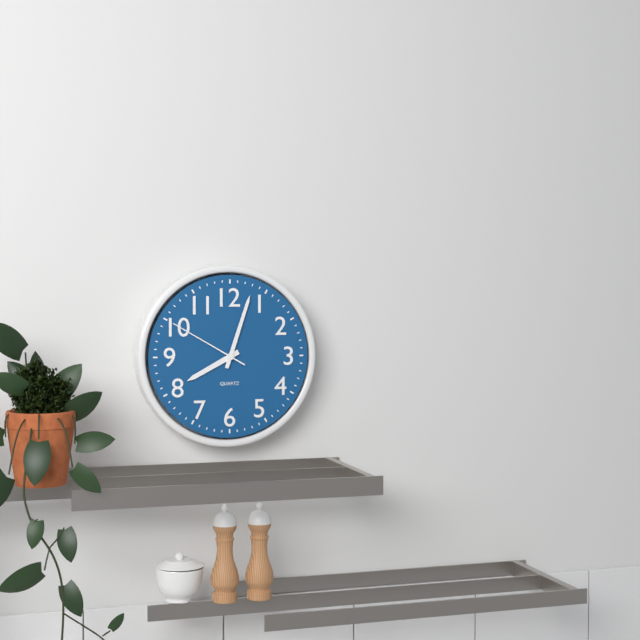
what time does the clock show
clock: 8:03:50
